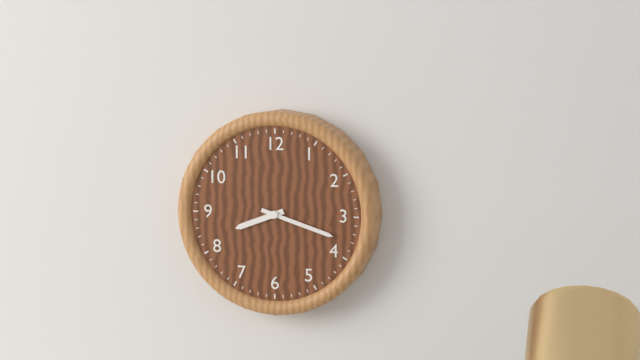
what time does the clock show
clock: 8:18
